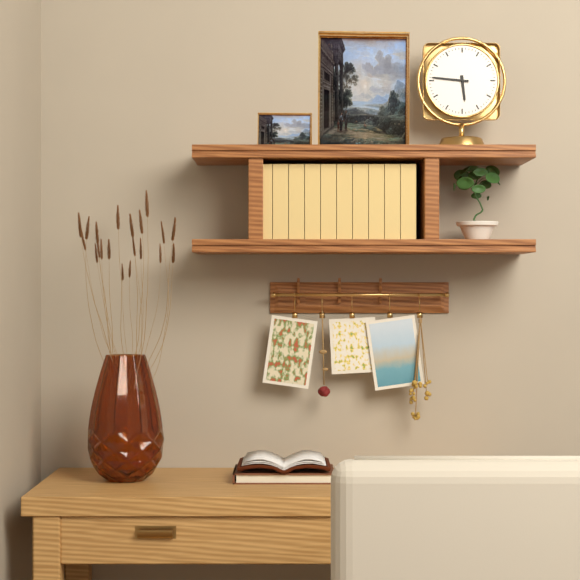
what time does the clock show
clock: 5:46
